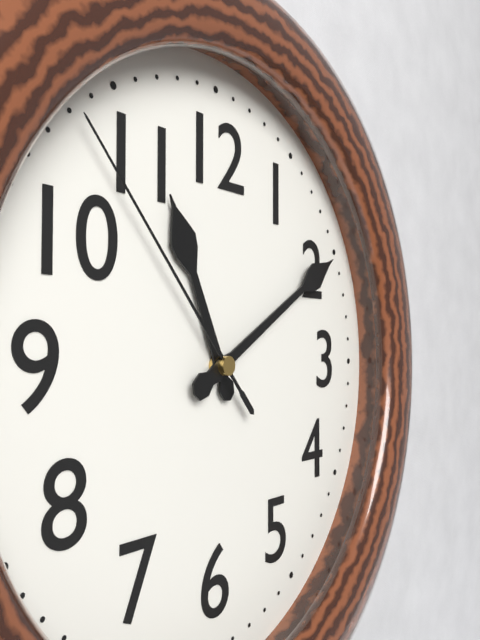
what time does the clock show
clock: 11:10:53
